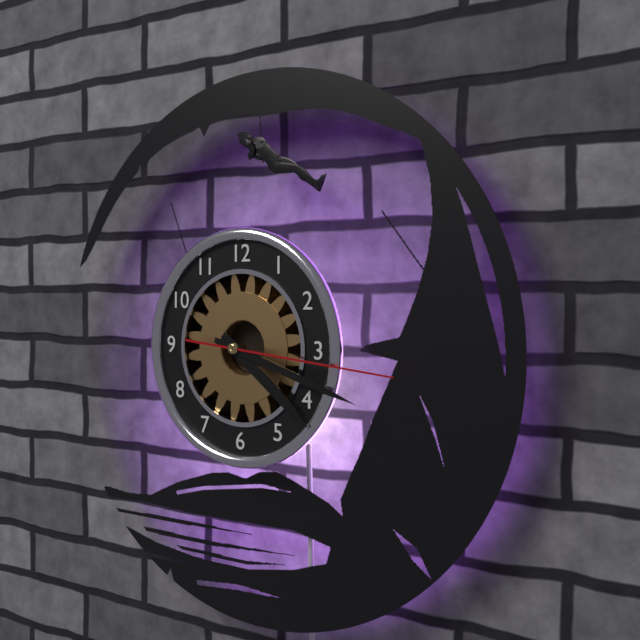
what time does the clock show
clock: 4:18:16
